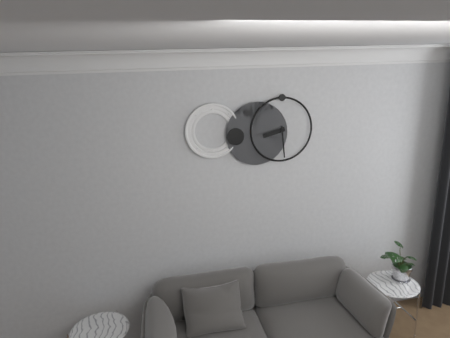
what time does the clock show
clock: 8:29
